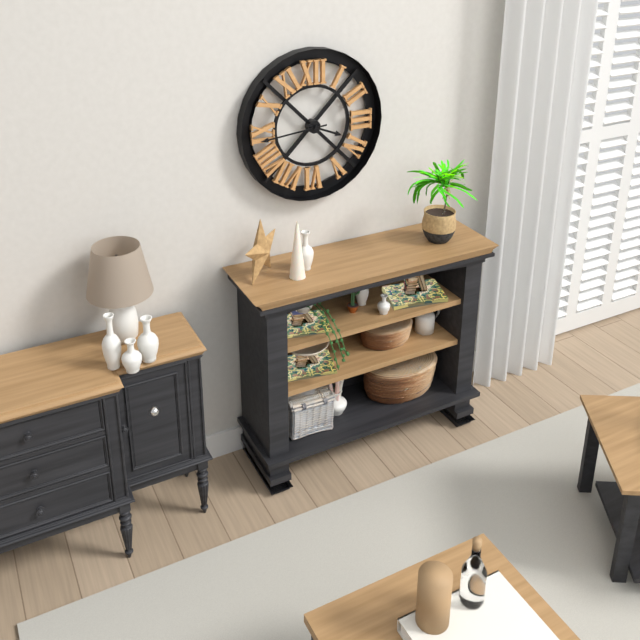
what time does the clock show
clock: 3:44
